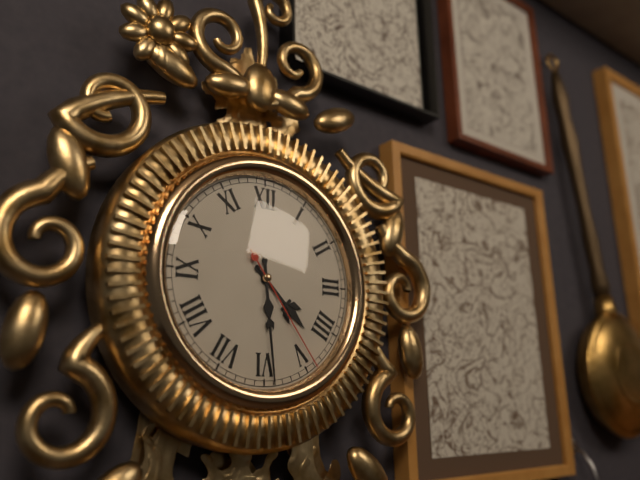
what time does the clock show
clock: 4:29:24
